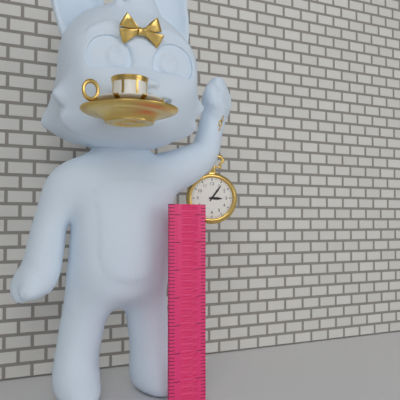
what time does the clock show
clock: 3:06
